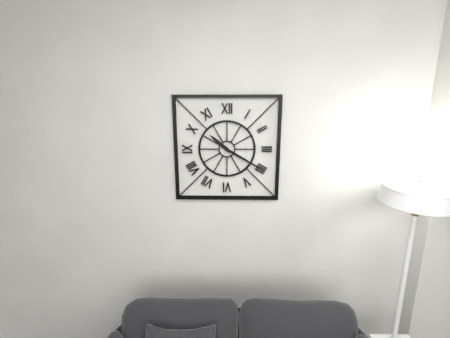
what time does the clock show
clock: 10:20
